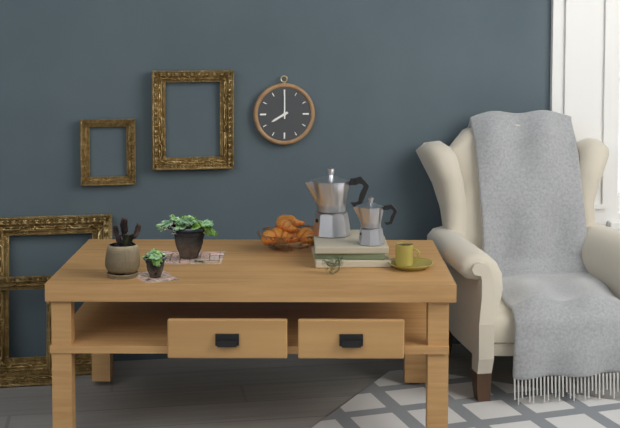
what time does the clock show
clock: 8:00
